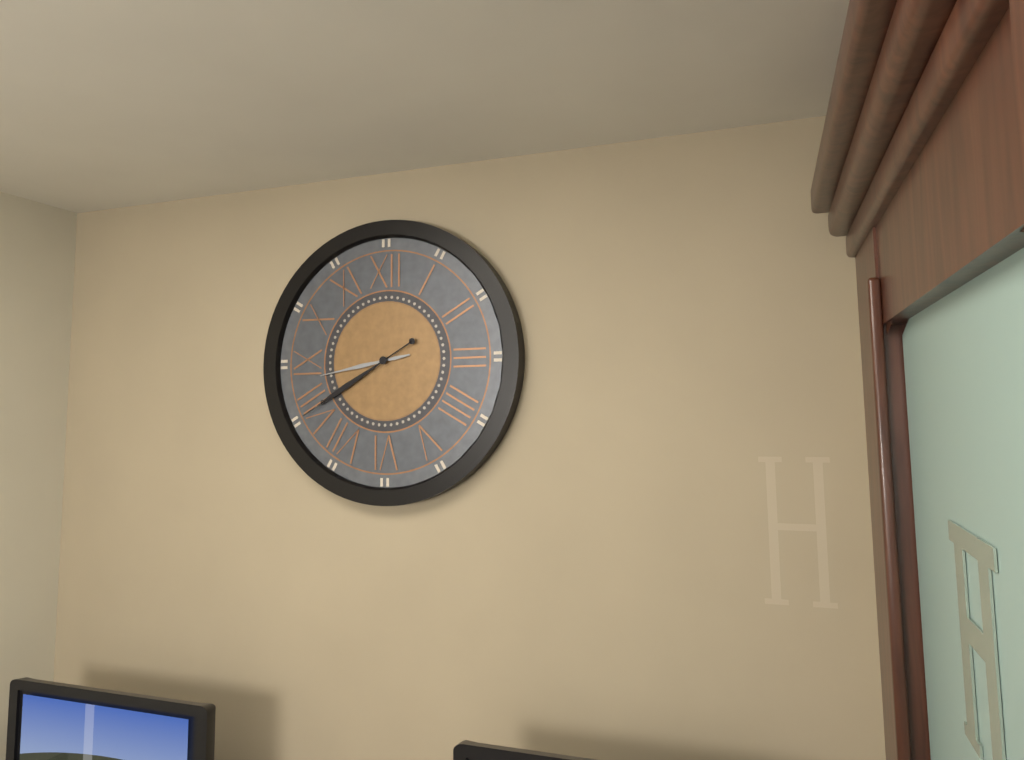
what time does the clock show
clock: 8:40
